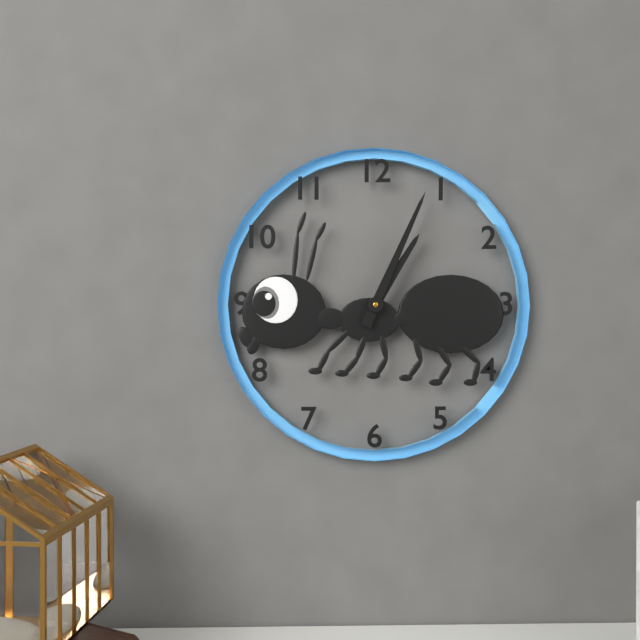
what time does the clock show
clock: 1:04
